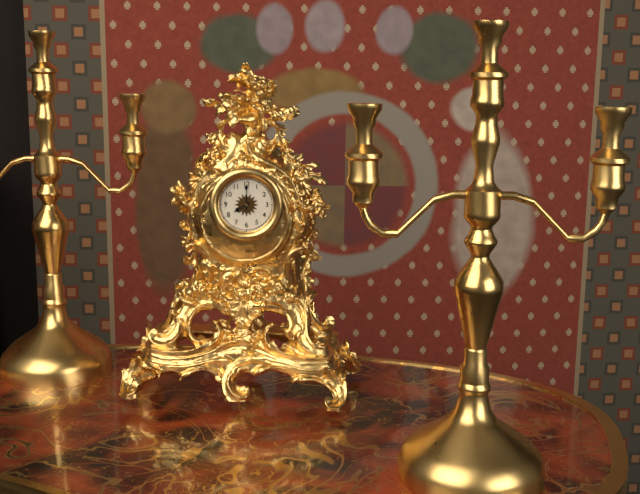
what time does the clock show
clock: 8:00
